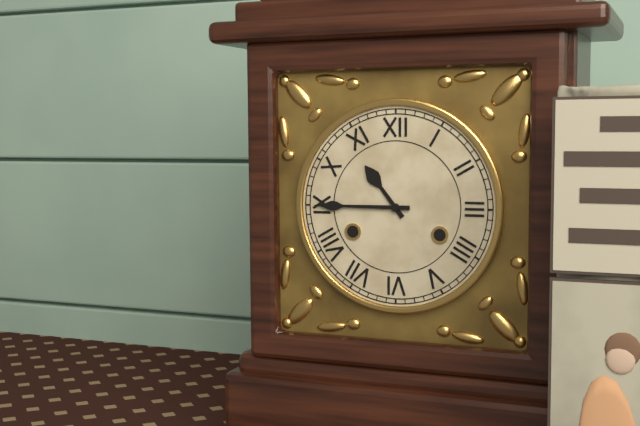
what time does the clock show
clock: 10:45
